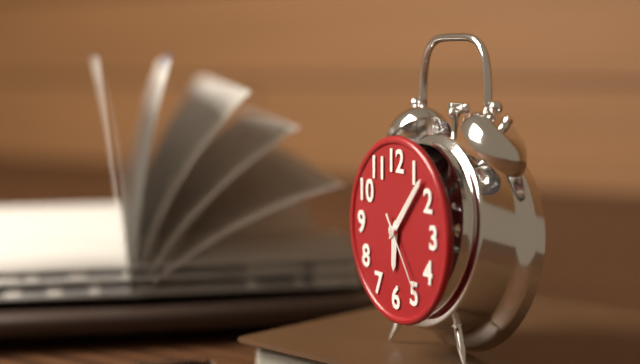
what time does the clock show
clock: 6:07:24
